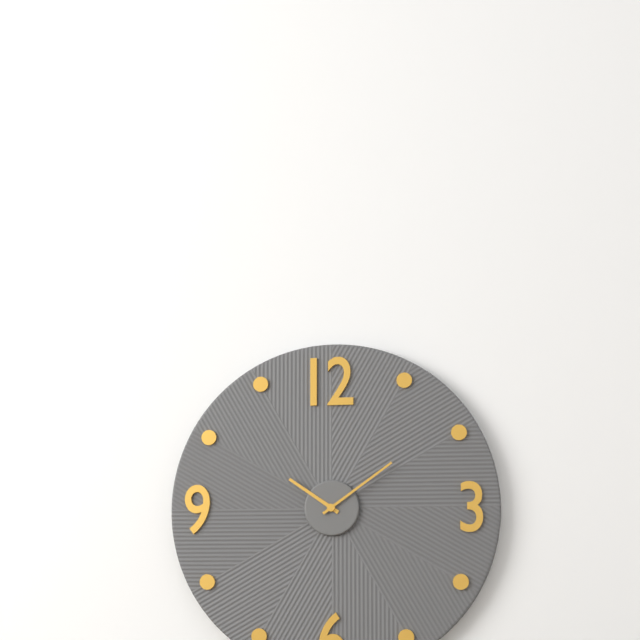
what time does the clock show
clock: 10:09
